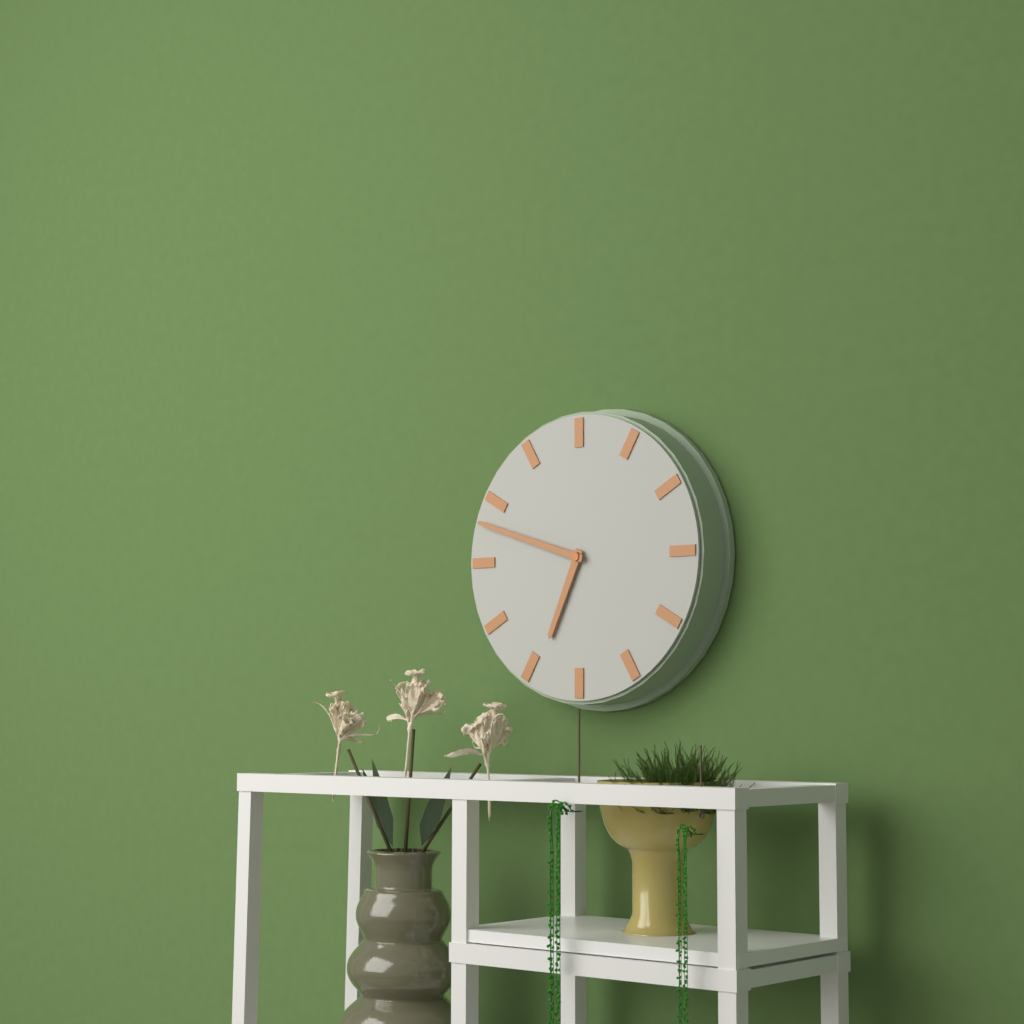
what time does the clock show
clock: 6:48
